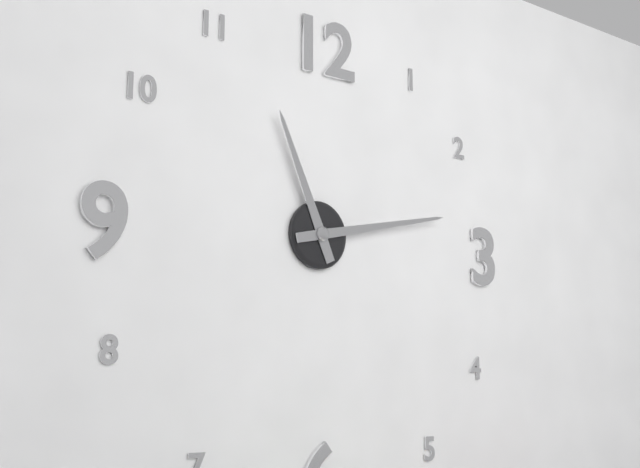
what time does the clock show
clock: 11:13
